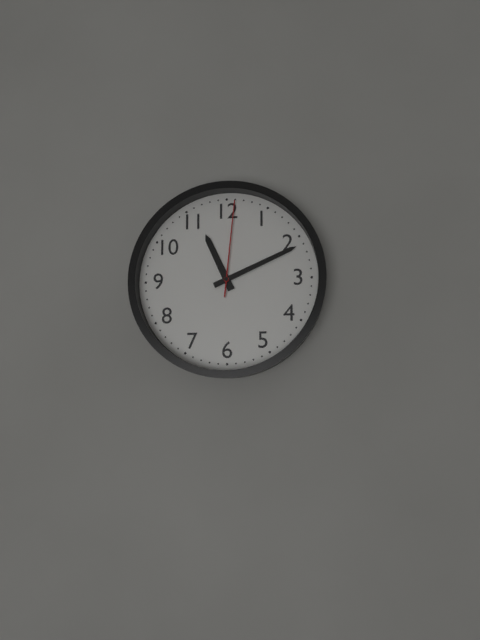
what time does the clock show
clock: 11:11:01
